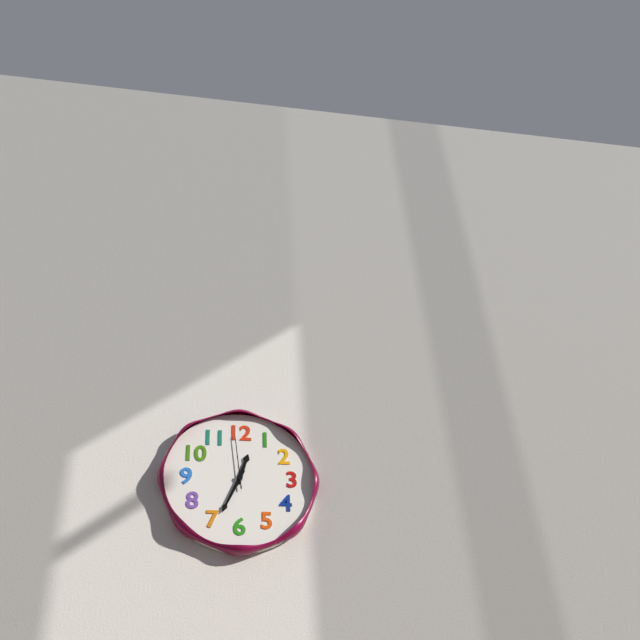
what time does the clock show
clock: 12:34:59
